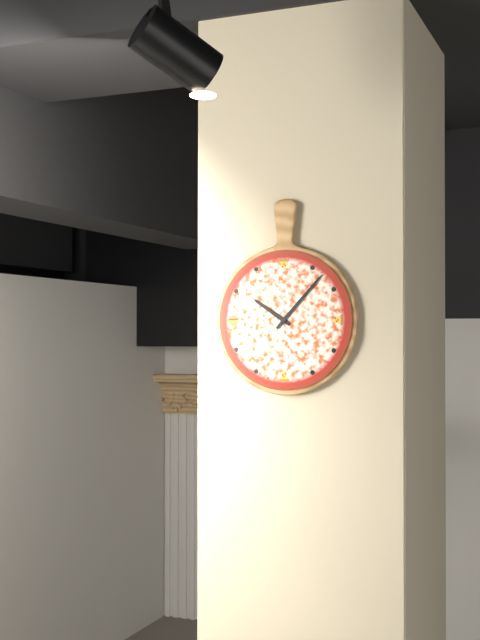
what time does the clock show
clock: 10:07
